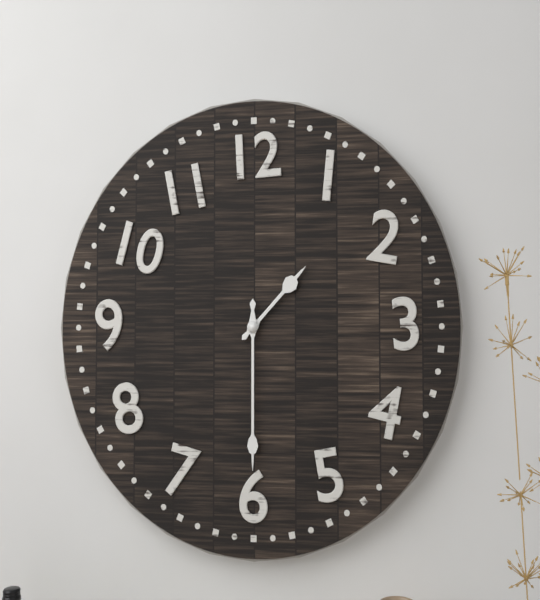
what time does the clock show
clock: 1:30
